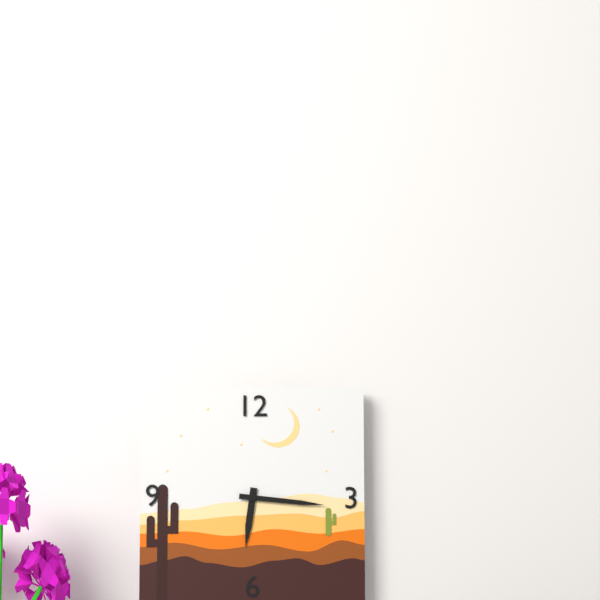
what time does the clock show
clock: 6:16
